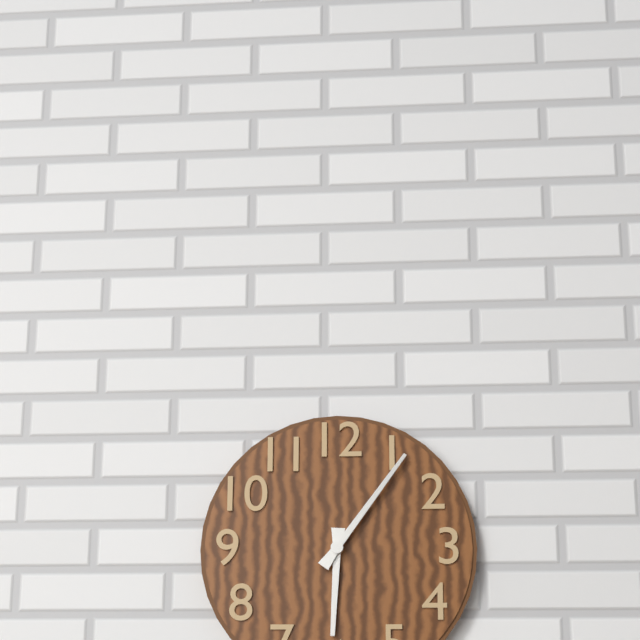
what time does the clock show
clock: 6:06
